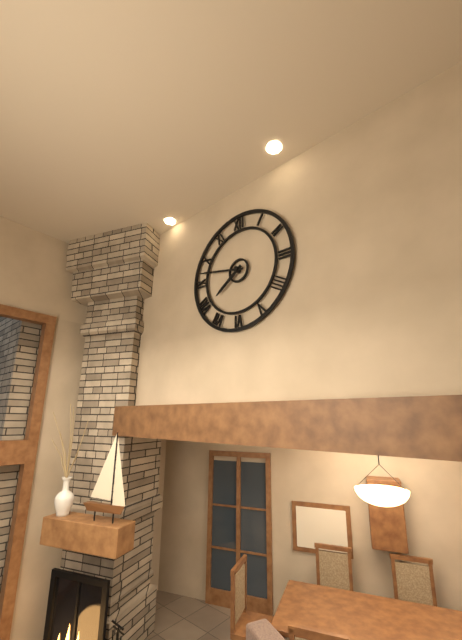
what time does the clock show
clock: 7:47
